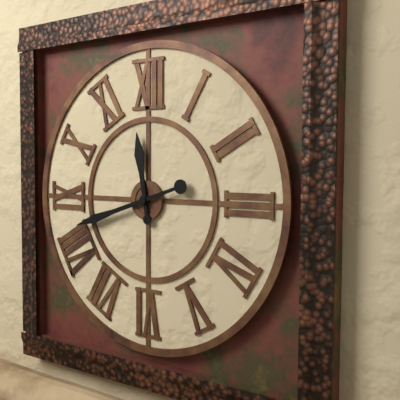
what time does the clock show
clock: 11:42
